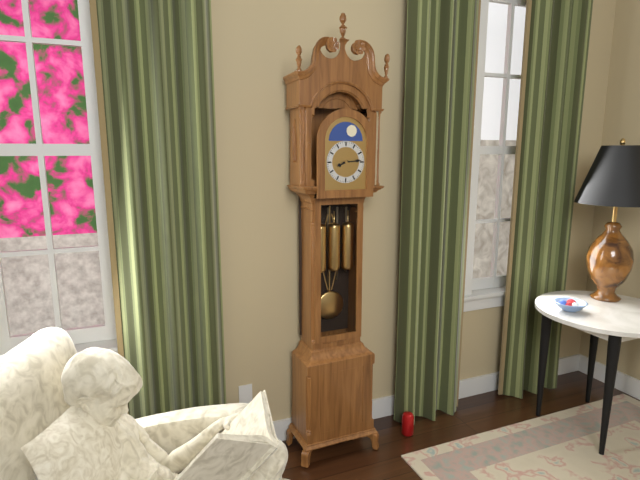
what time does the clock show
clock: 8:14
